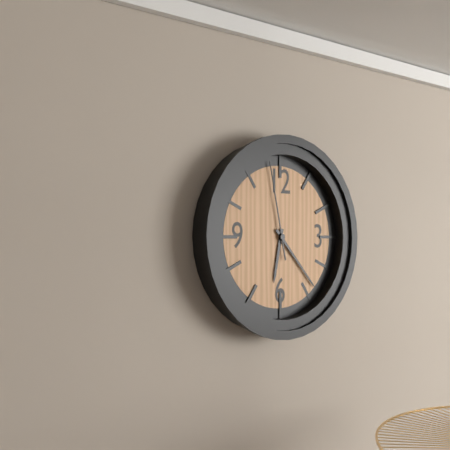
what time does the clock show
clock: 6:23:58
